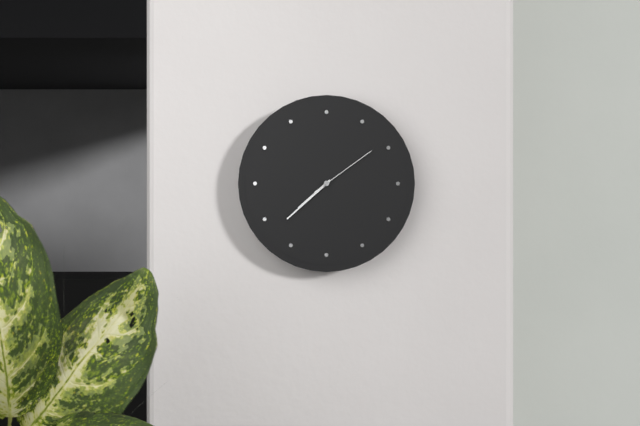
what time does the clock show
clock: 7:38:09
